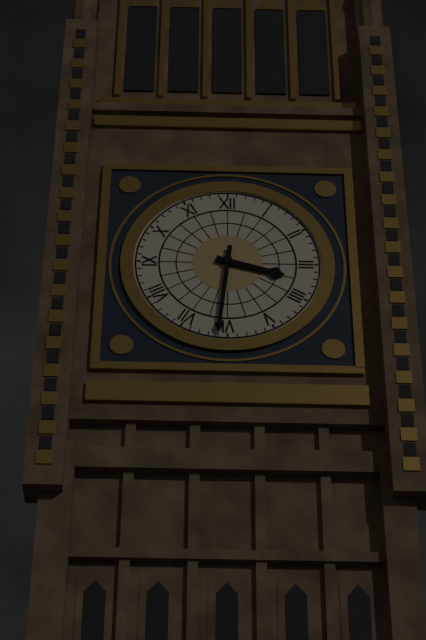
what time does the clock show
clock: 3:31
